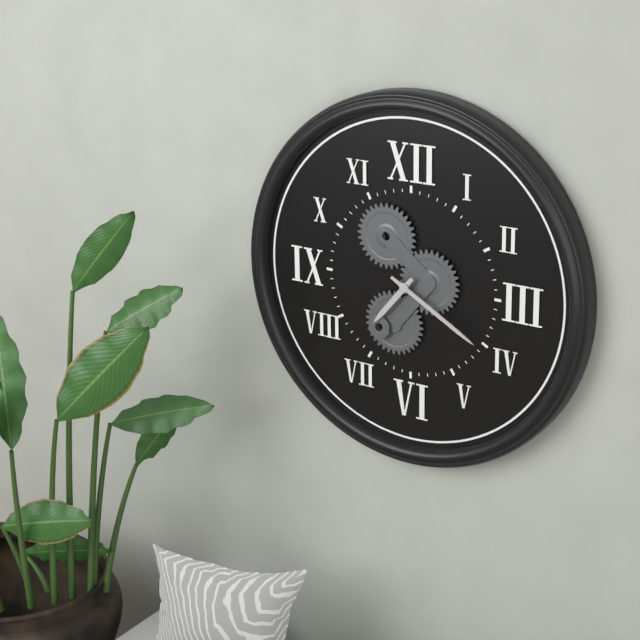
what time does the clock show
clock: 7:20
